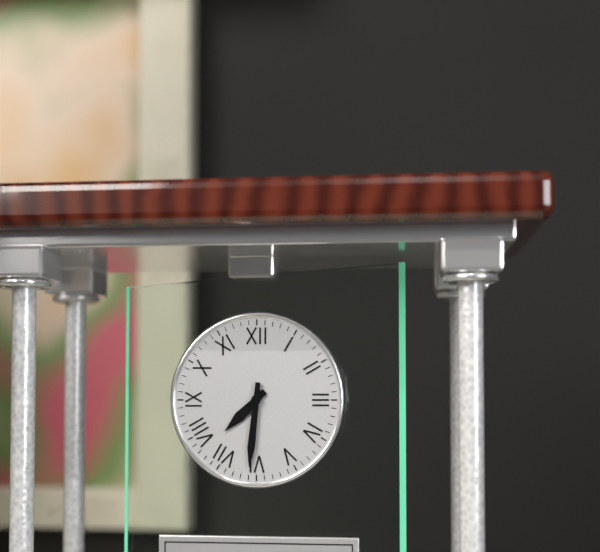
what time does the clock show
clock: 7:31
